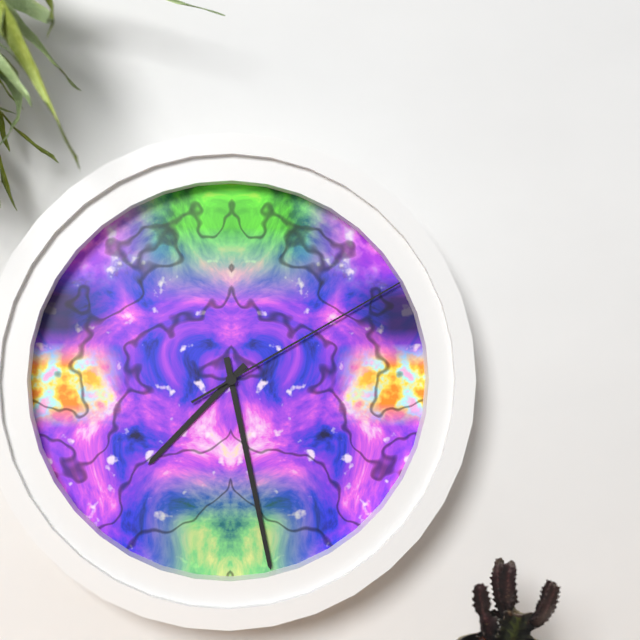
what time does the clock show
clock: 7:28:10
